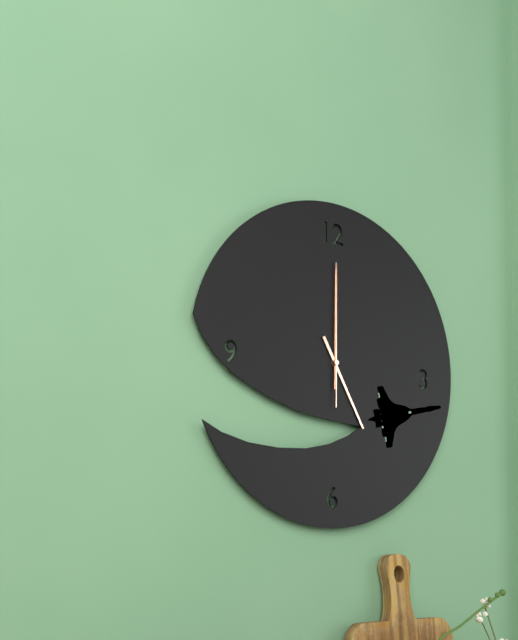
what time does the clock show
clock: 5:00:00
